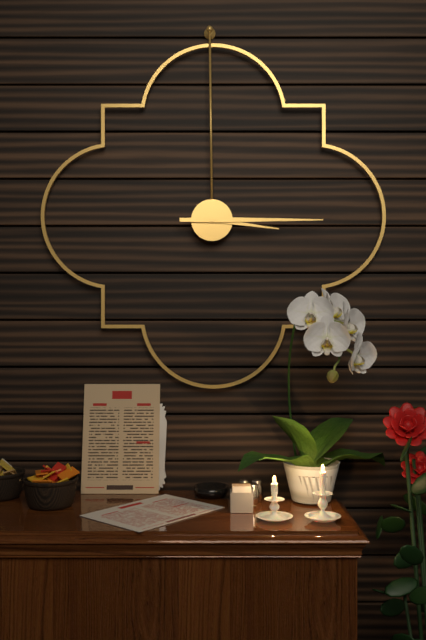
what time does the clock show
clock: 3:15
